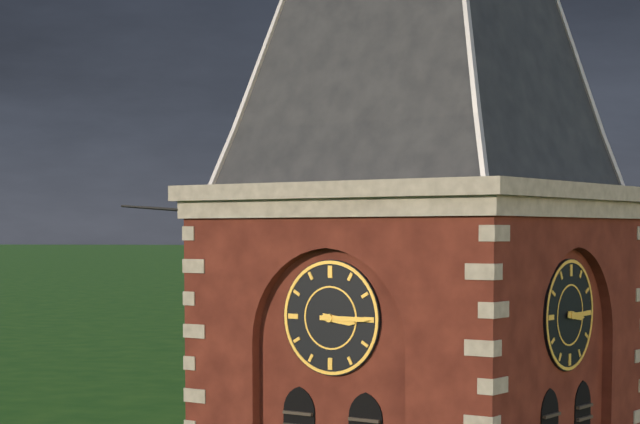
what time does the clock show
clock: 3:15
